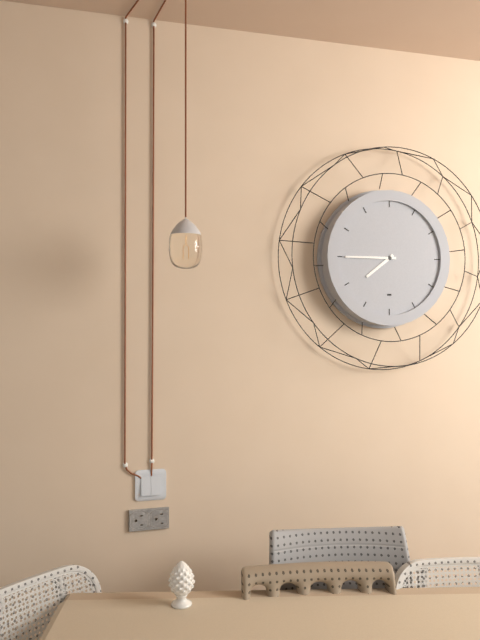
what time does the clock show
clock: 7:45
